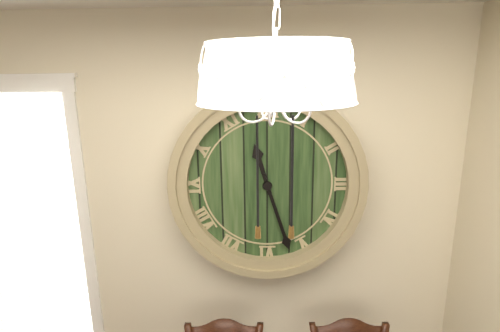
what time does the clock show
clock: 11:27
